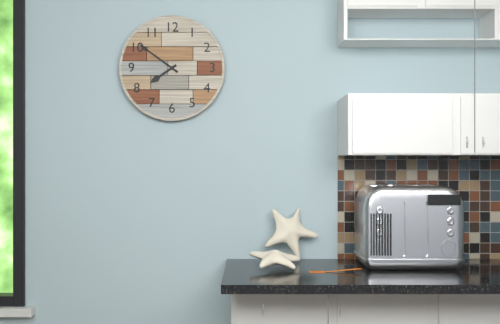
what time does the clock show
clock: 7:51
